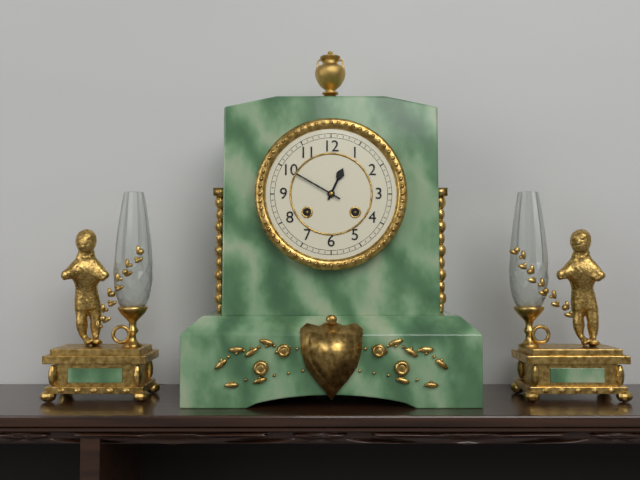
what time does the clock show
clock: 12:50
